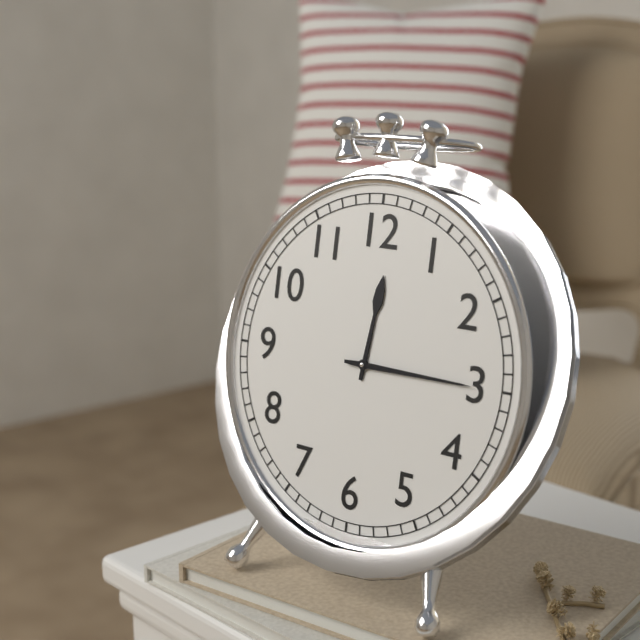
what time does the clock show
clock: 12:15
